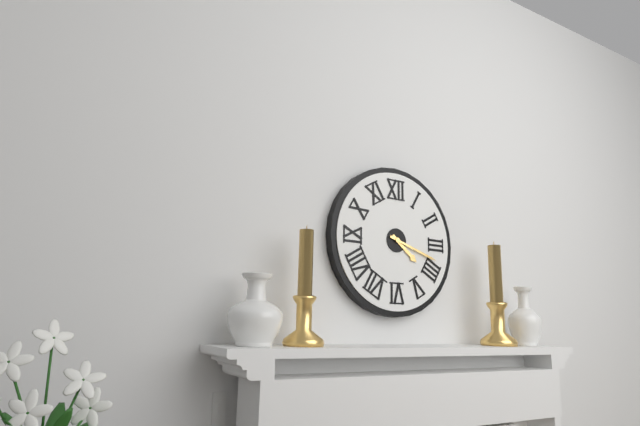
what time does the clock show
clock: 4:18
